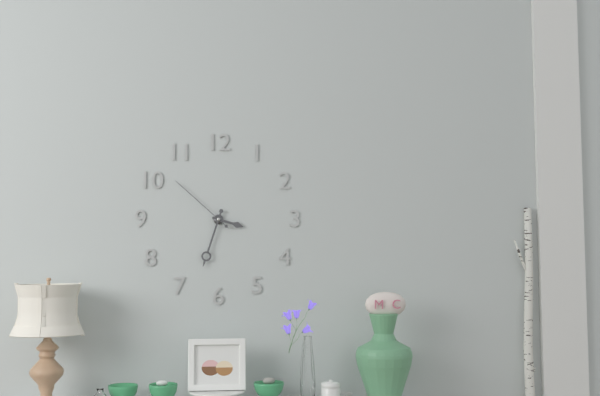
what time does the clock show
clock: 3:33:52
